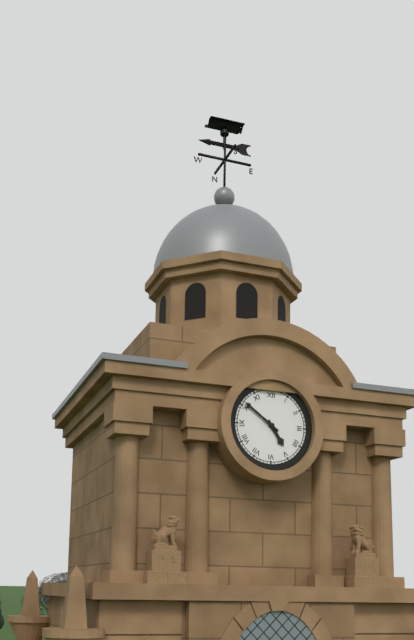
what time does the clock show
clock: 4:51
